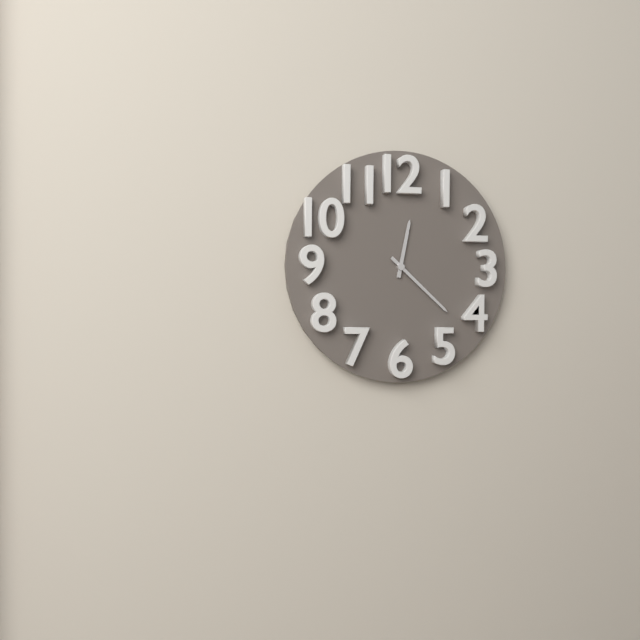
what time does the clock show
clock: 12:22
